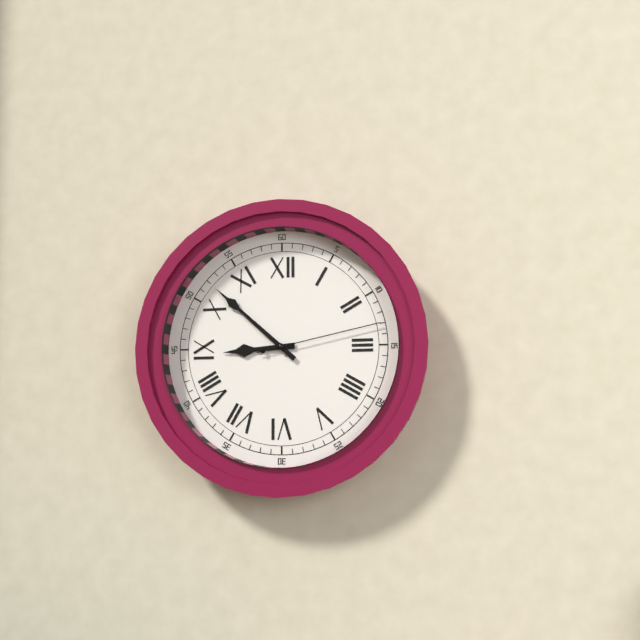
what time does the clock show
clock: 8:52:13
